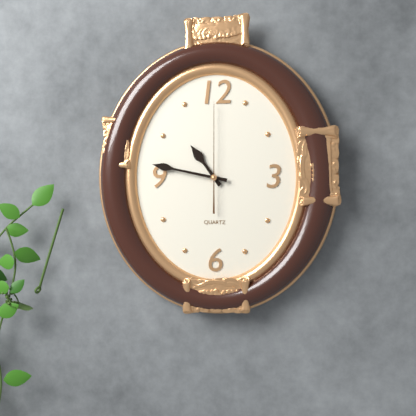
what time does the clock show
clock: 10:47:00
